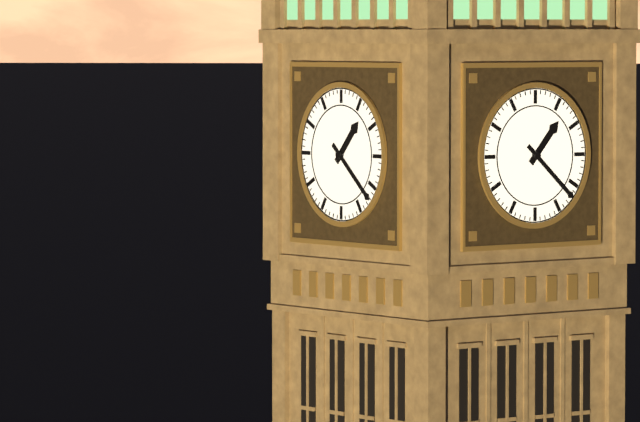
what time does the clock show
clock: 1:22
